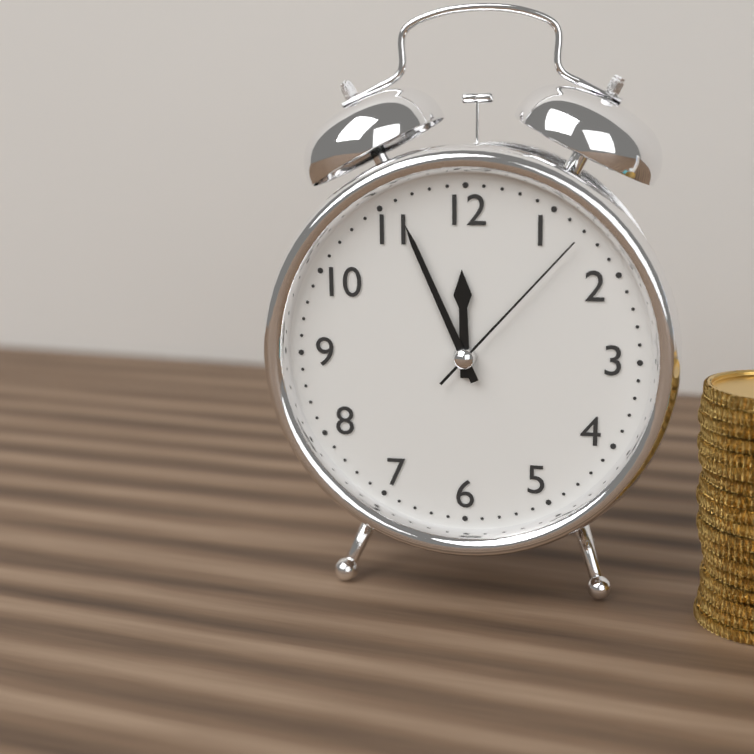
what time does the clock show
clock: 11:56:07
